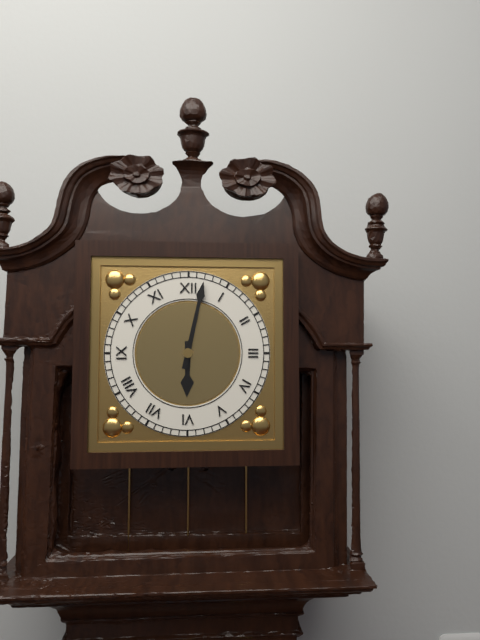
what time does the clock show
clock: 6:02
